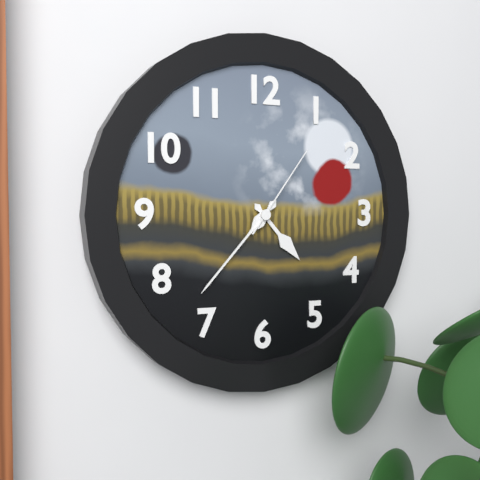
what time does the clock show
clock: 4:37:06
